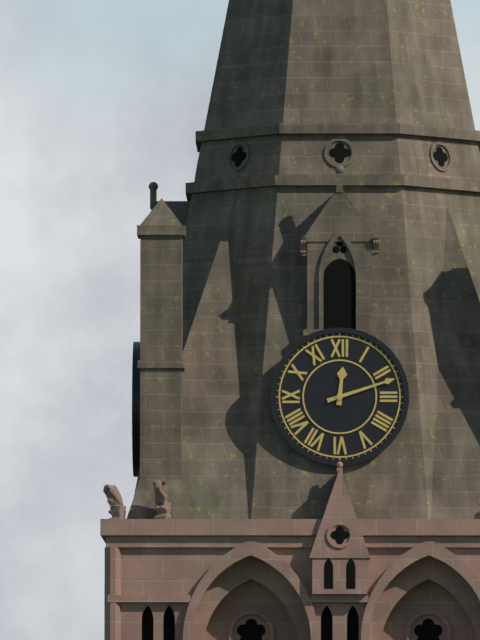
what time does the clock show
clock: 12:12
